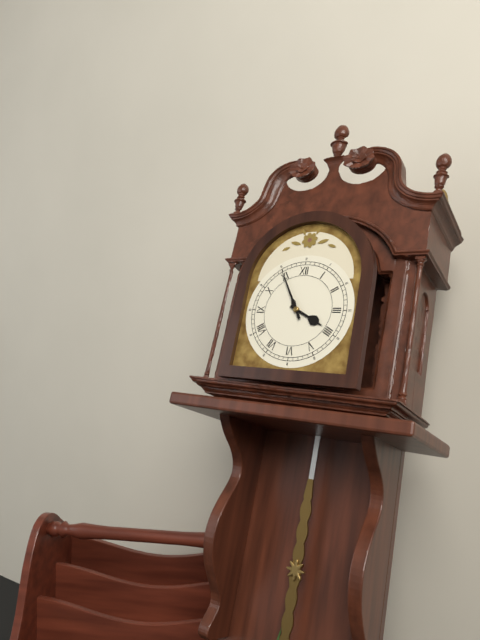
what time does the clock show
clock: 3:55
